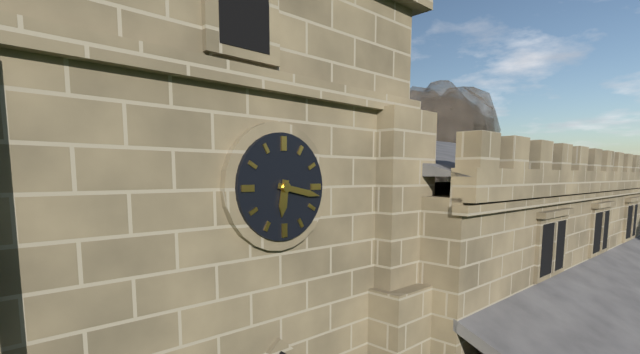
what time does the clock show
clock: 6:17
